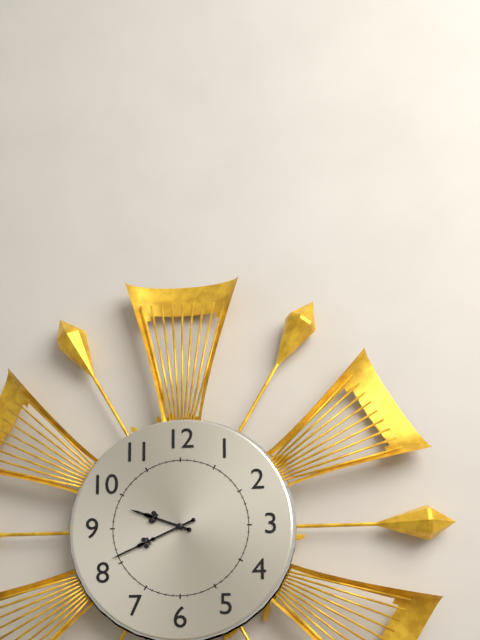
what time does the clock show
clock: 9:41
